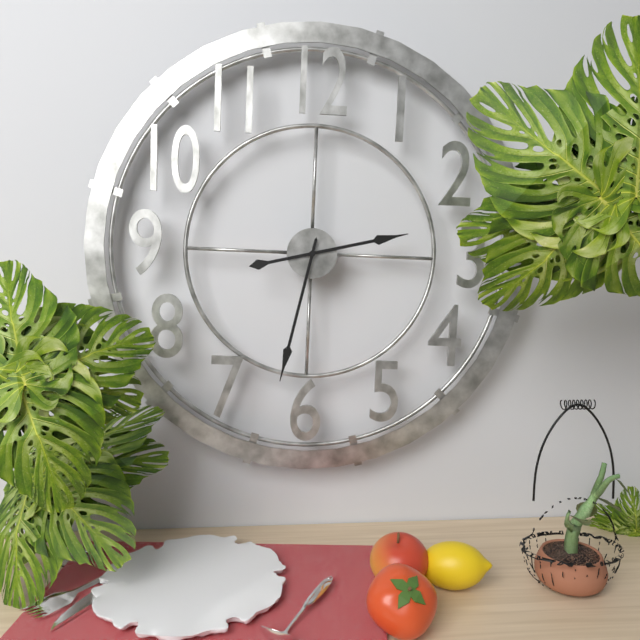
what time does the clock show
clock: 2:32
